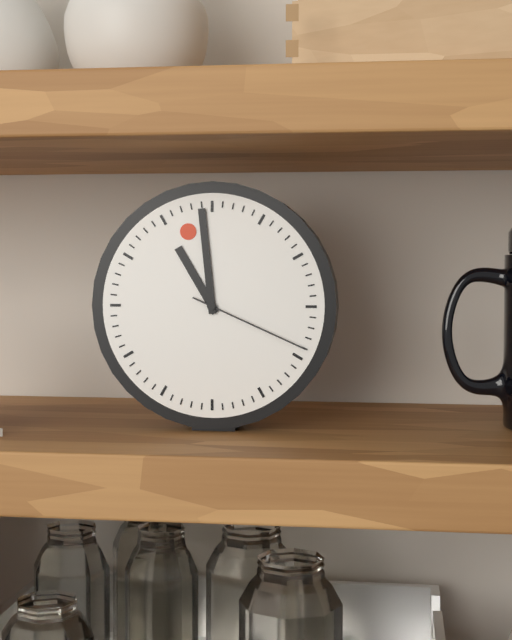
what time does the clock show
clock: 10:59:19
